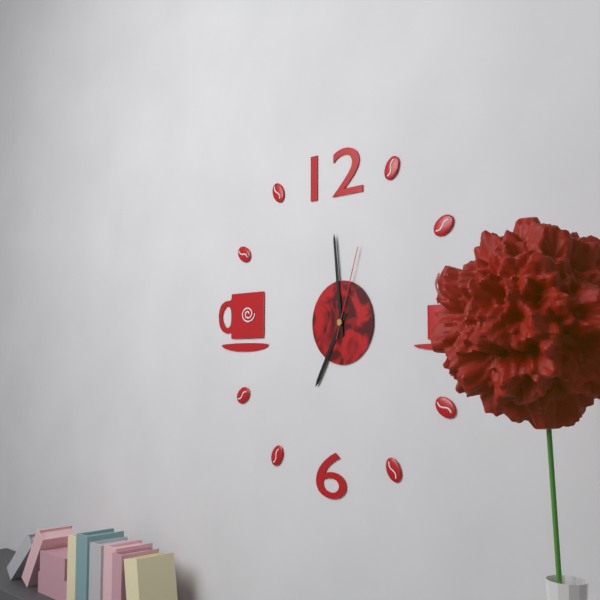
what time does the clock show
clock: 6:59:03
